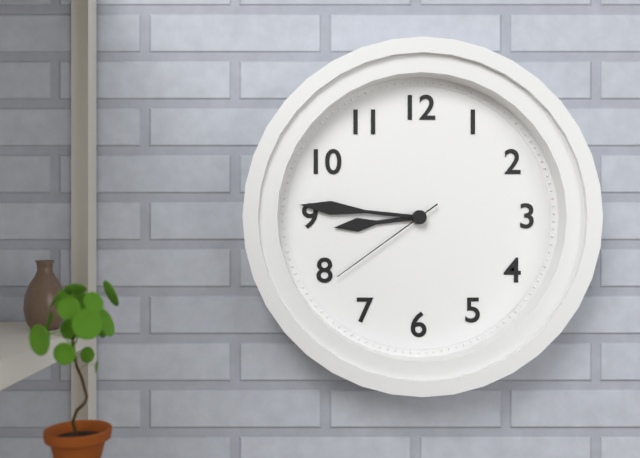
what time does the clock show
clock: 8:46:39
